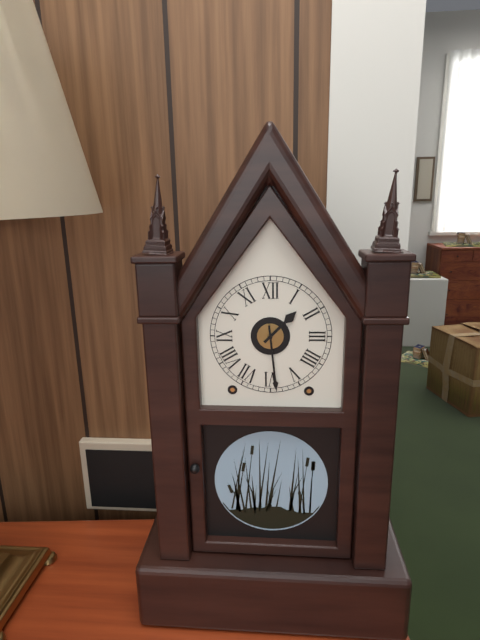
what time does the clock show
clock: 1:29
